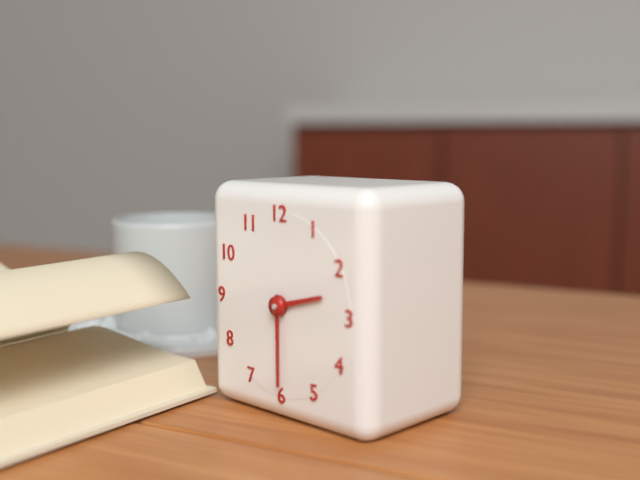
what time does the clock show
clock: 2:30
